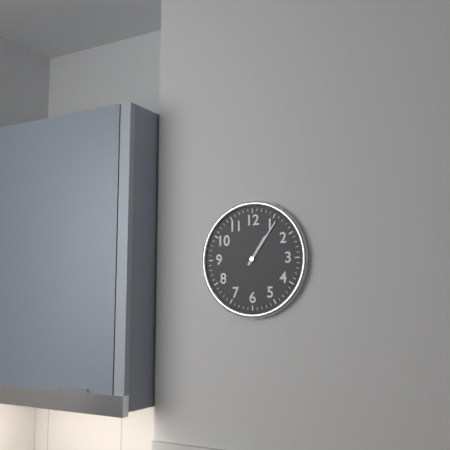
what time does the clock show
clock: 1:06
